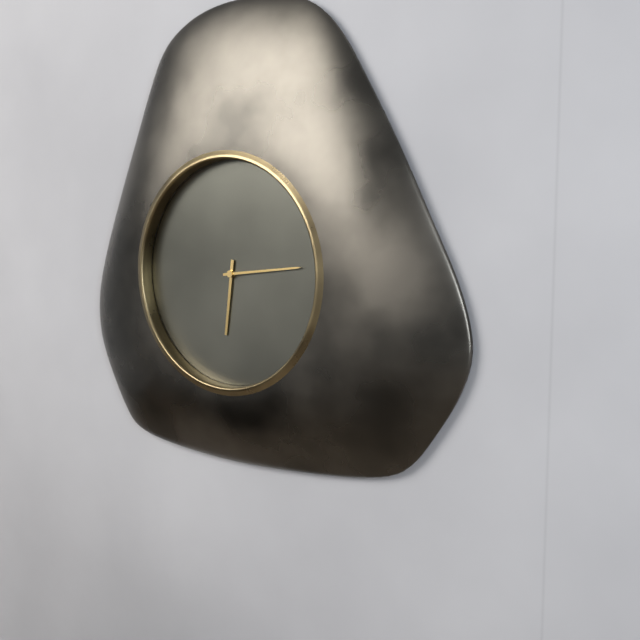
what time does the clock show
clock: 6:14
